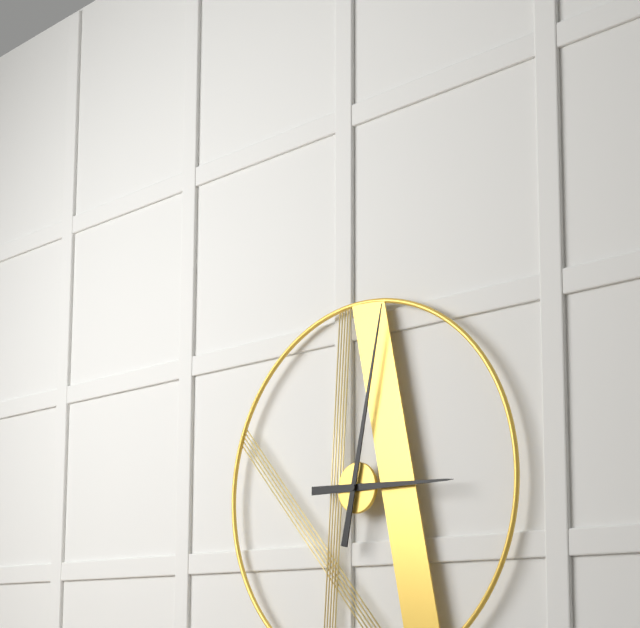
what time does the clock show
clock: 3:02
